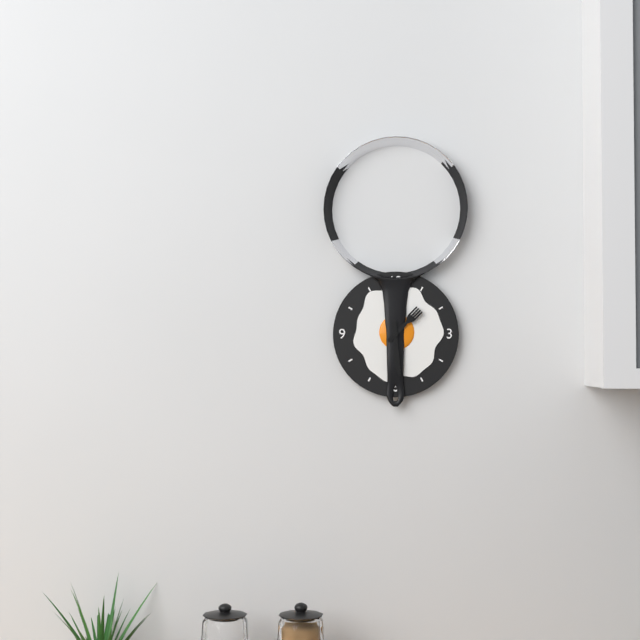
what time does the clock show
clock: 1:29
